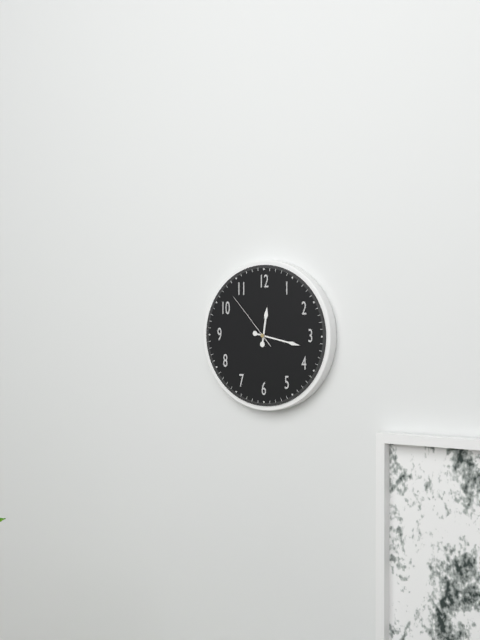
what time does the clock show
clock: 12:17:53
